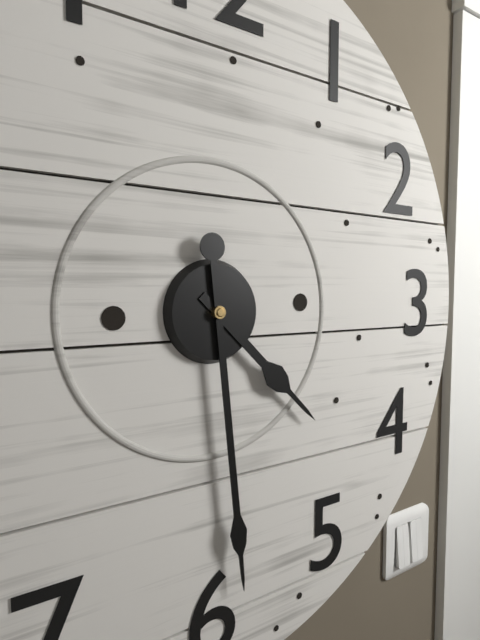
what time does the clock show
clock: 4:29
